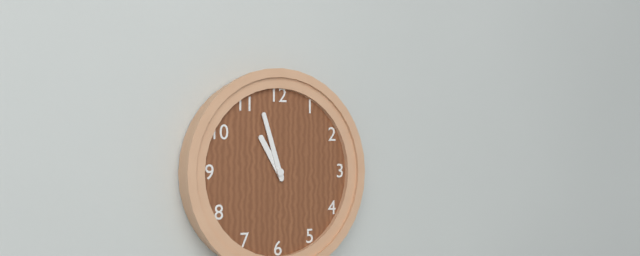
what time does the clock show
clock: 10:57
